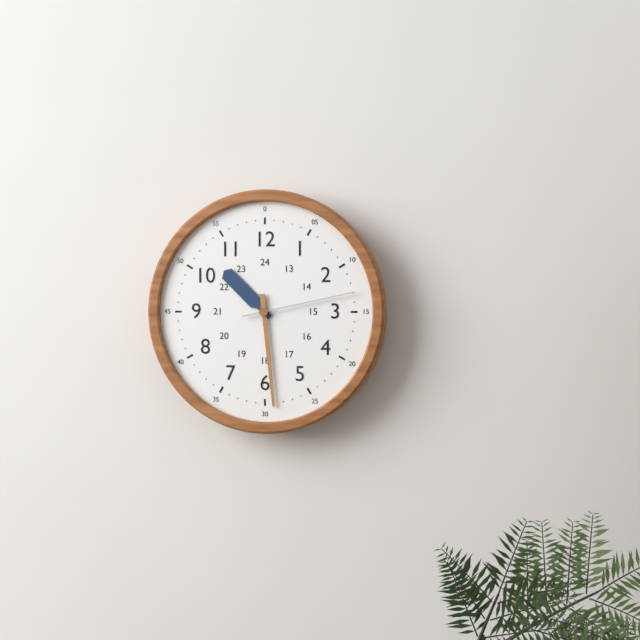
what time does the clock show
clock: 10:29:13
